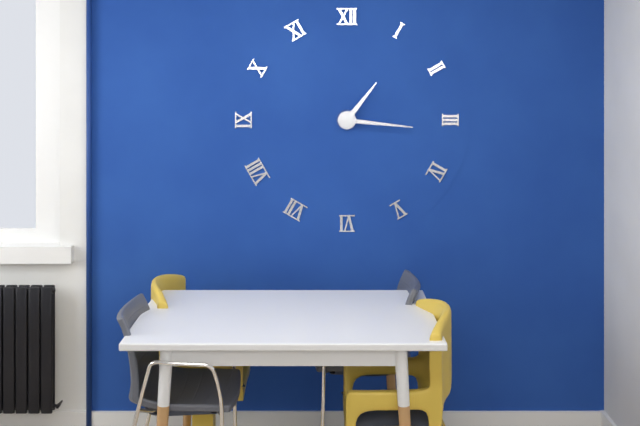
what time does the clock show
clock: 1:16
